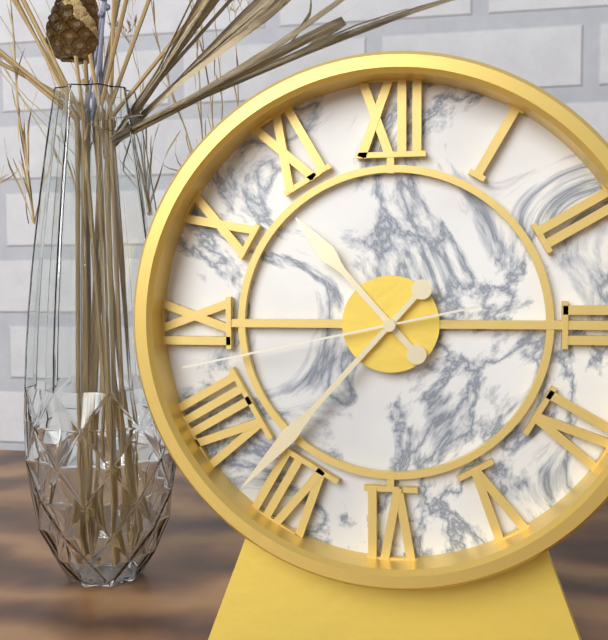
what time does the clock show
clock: 10:37:43
